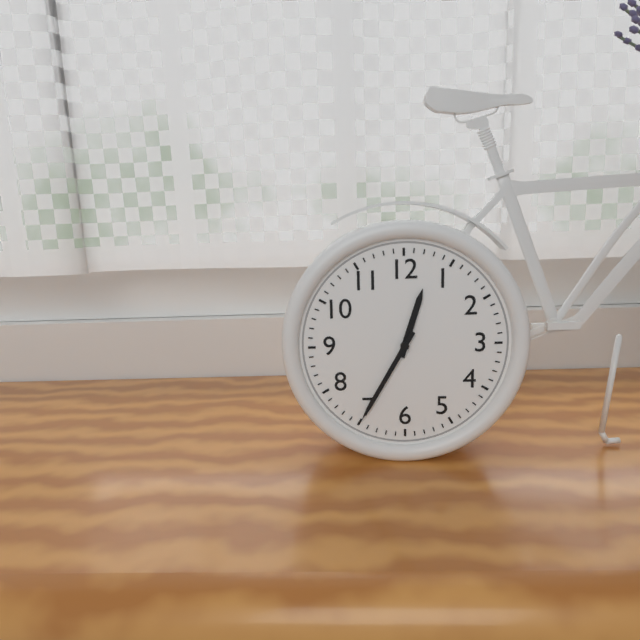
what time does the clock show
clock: 12:35
